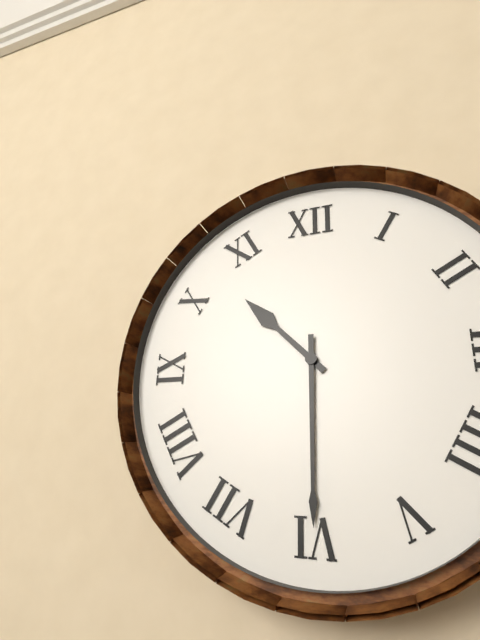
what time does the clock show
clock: 10:30
